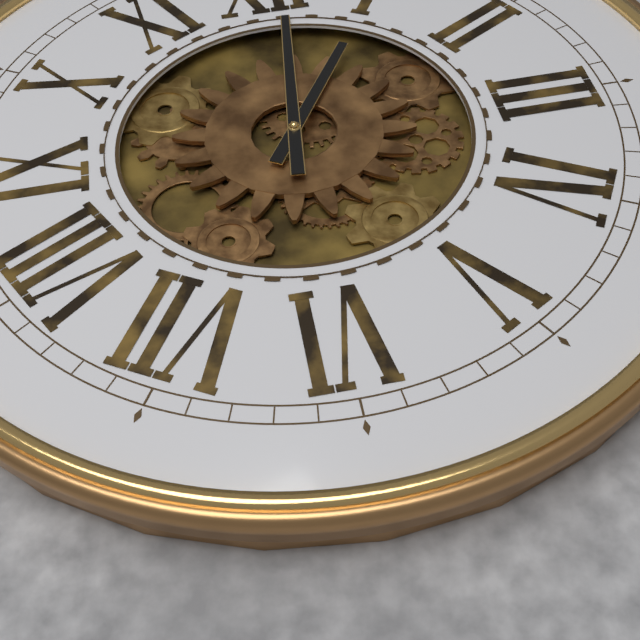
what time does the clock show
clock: 1:01
